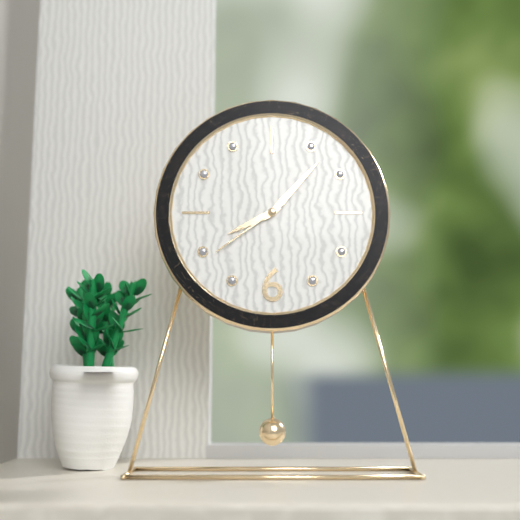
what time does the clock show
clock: 8:07:39
